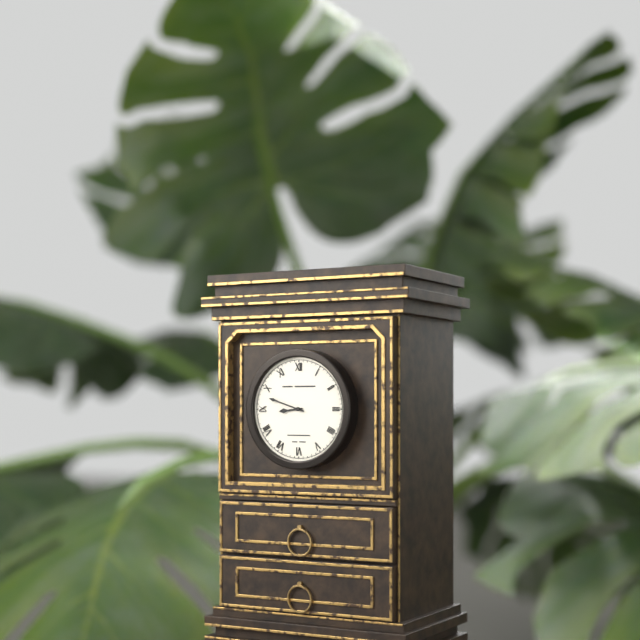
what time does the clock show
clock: 8:48
